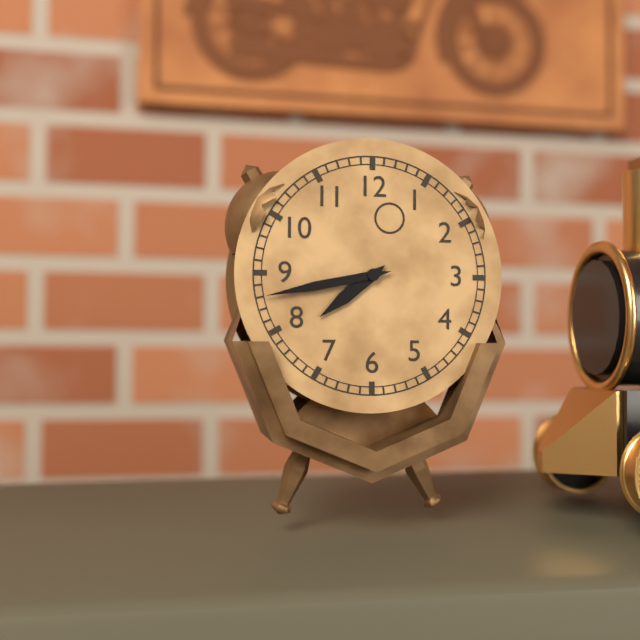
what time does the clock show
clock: 7:43
